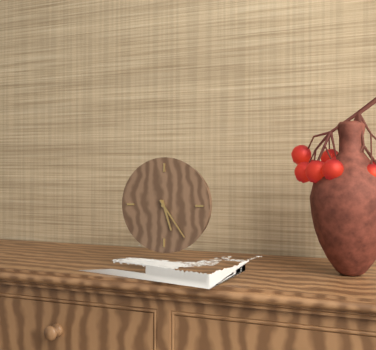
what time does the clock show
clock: 5:24
